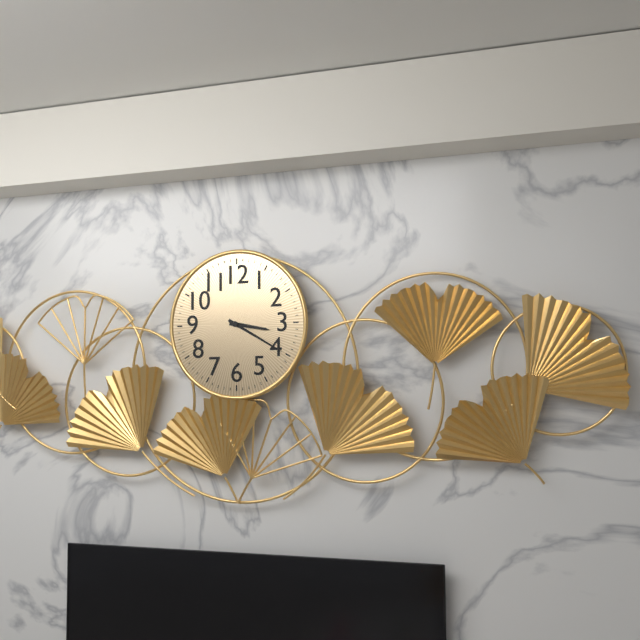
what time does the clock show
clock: 3:20
